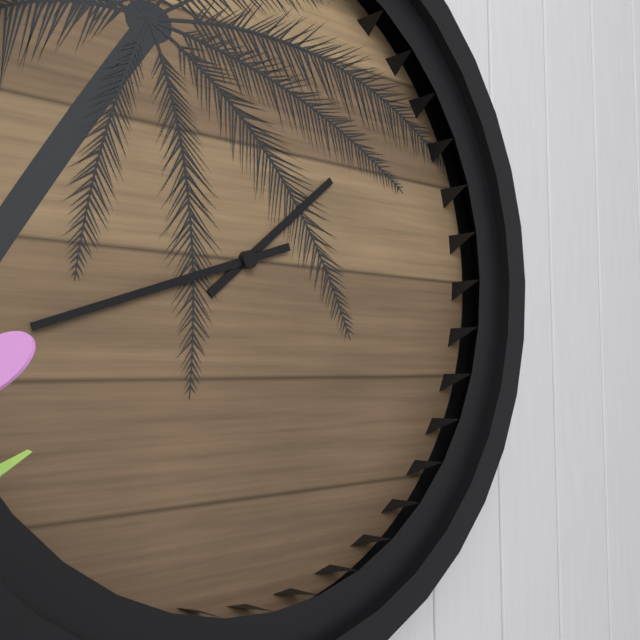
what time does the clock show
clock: 1:42
